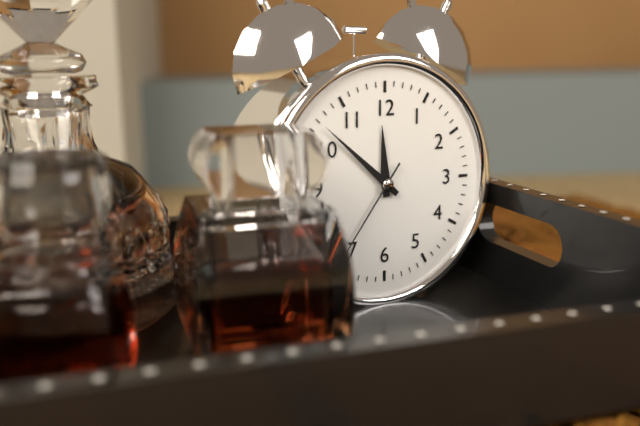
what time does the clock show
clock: 11:52:36
